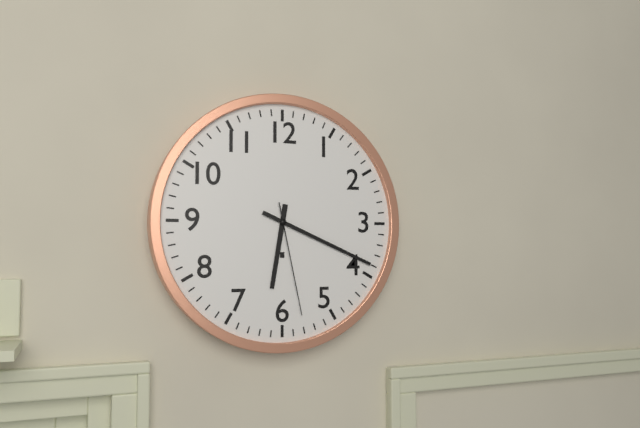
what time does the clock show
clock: 6:19:28
